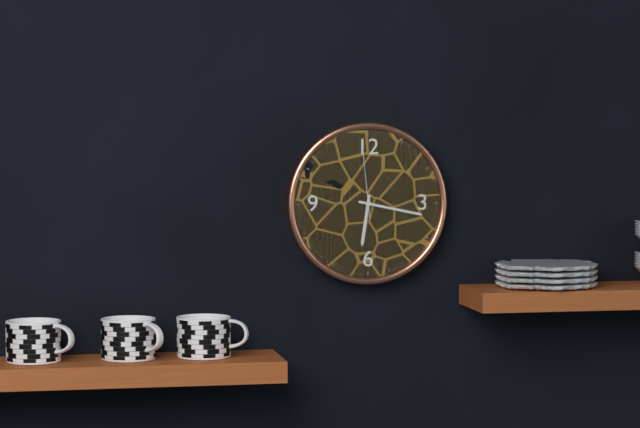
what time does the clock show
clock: 6:17:59
